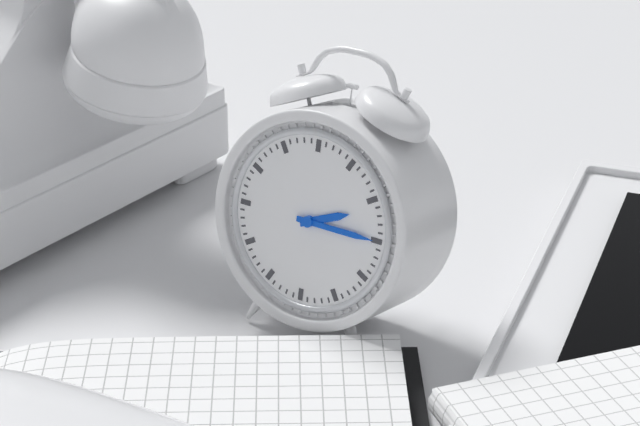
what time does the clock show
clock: 2:15
